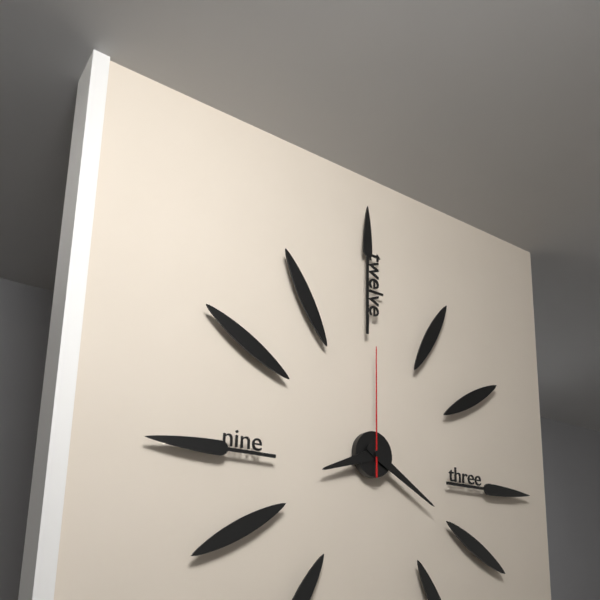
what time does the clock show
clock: 8:20:00
